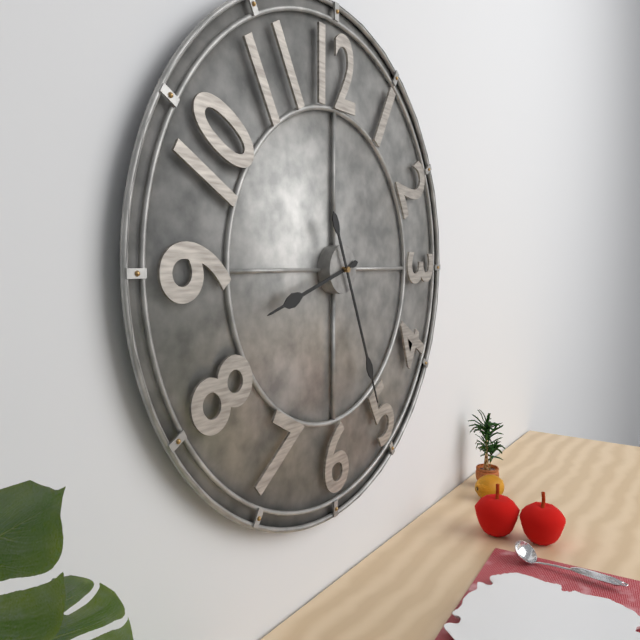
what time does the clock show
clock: 8:26
